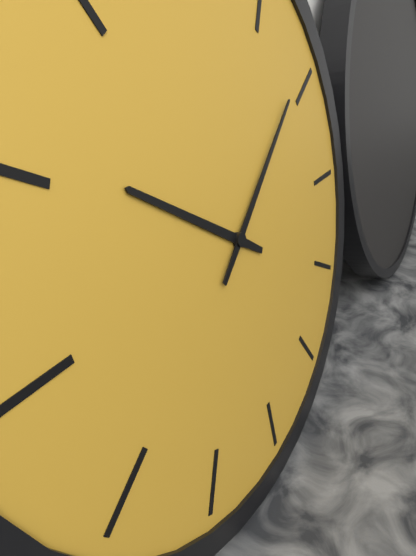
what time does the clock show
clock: 10:09
